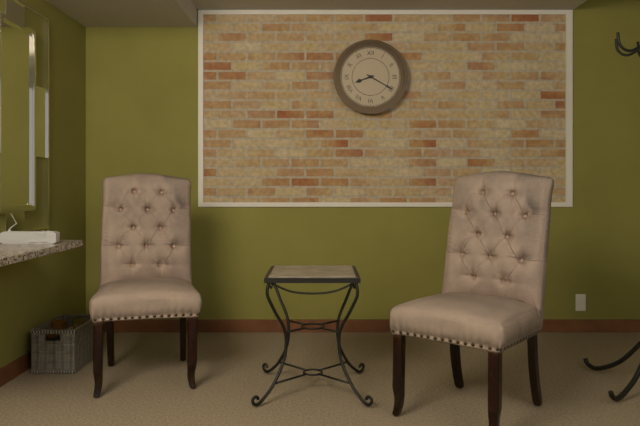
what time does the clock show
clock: 8:20
